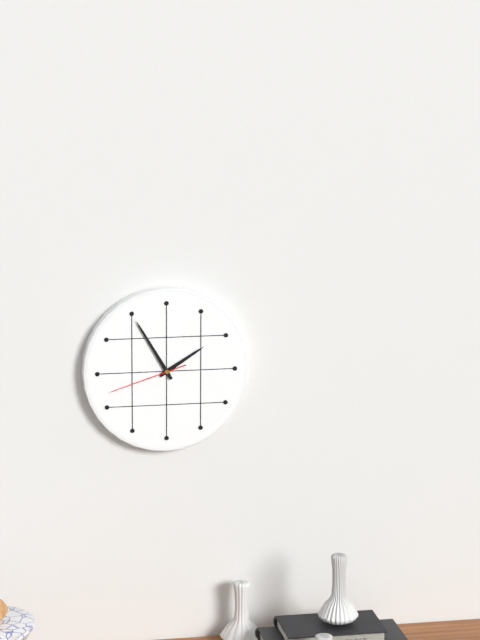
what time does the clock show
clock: 1:55:42
